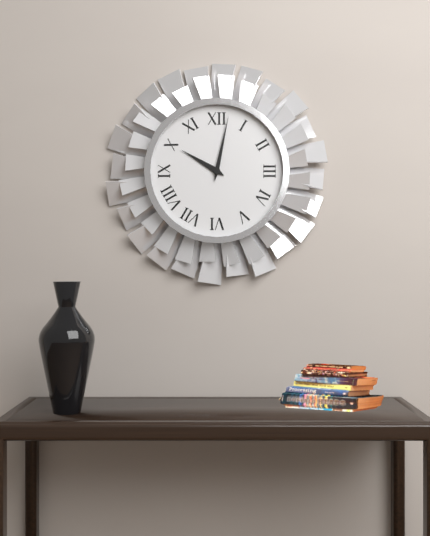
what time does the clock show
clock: 10:02
